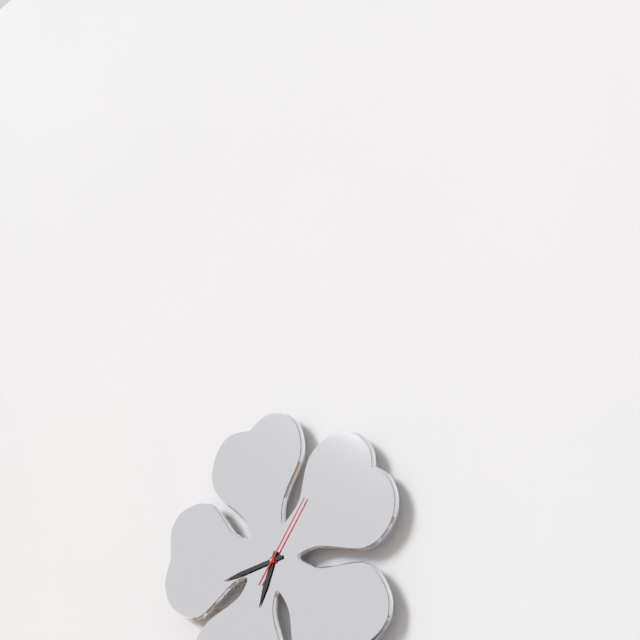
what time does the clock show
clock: 6:43:06
